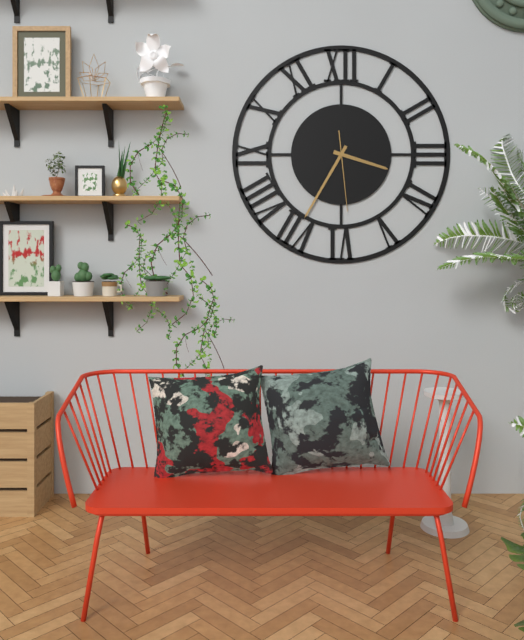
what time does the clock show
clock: 3:35:29
